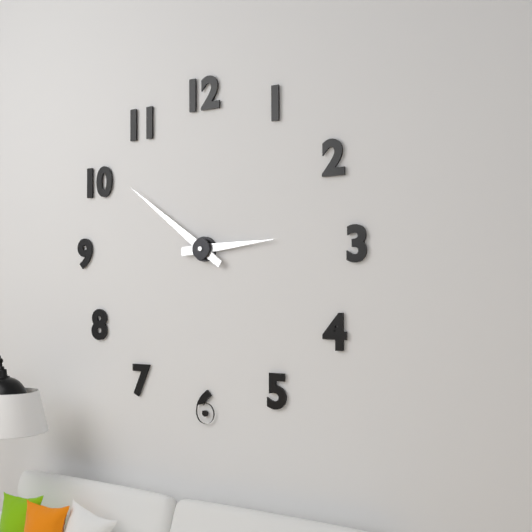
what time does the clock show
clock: 2:51
